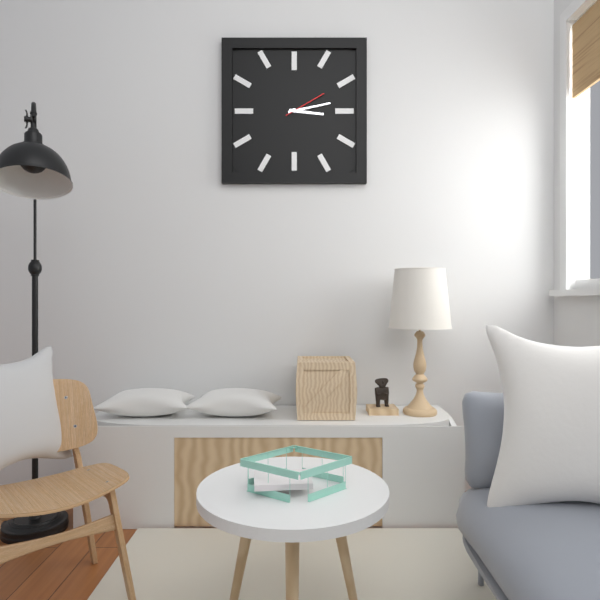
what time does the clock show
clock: 3:13
